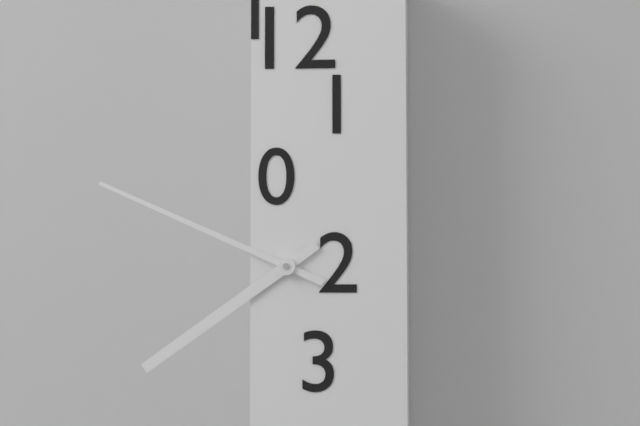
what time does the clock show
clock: 7:49
